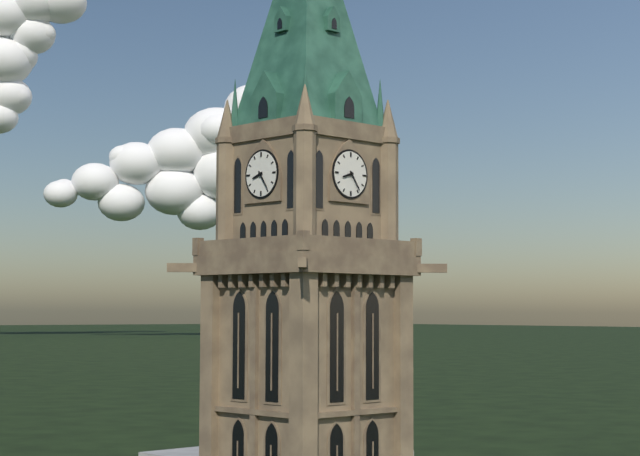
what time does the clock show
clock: 8:24
